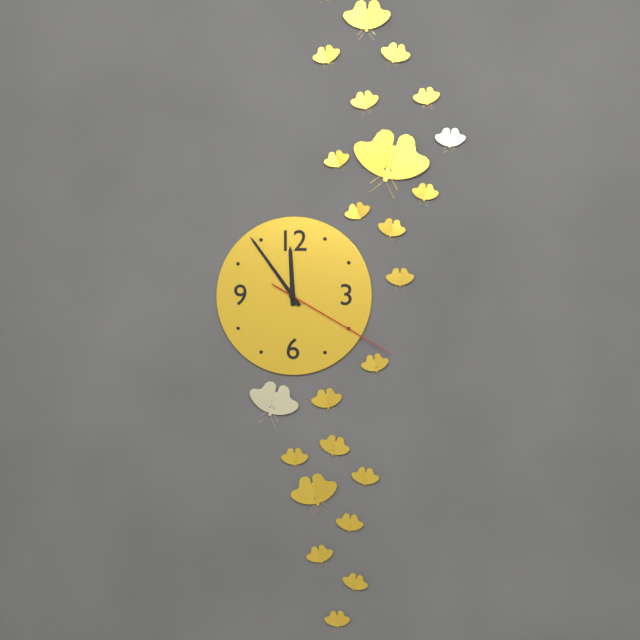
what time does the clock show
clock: 11:54:20
